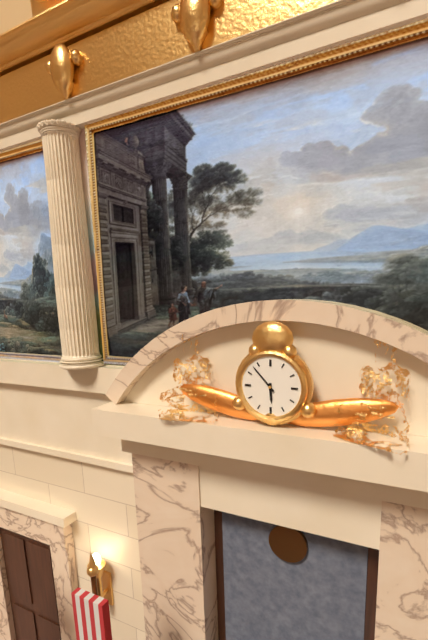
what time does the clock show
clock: 5:53
